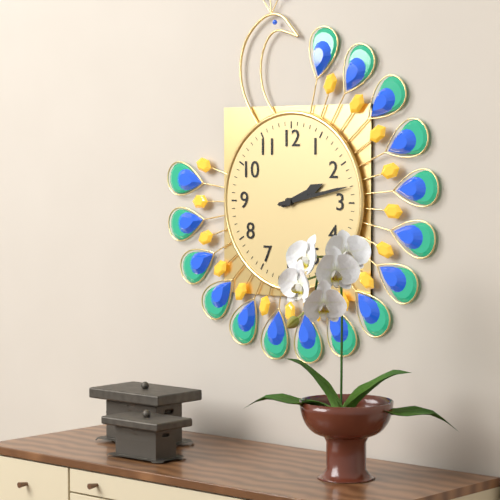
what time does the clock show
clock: 2:13
